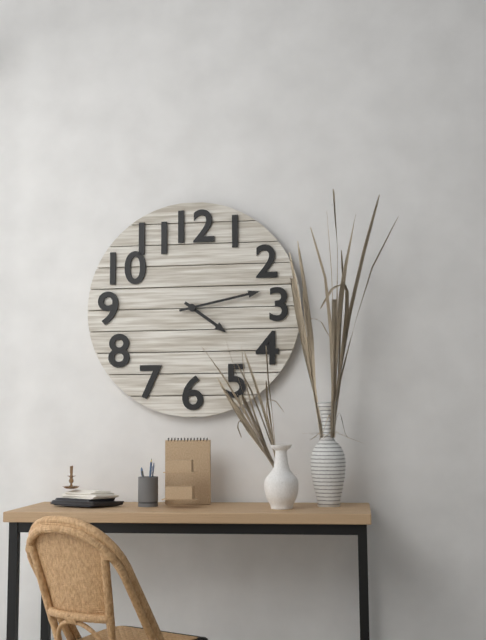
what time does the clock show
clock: 4:13
